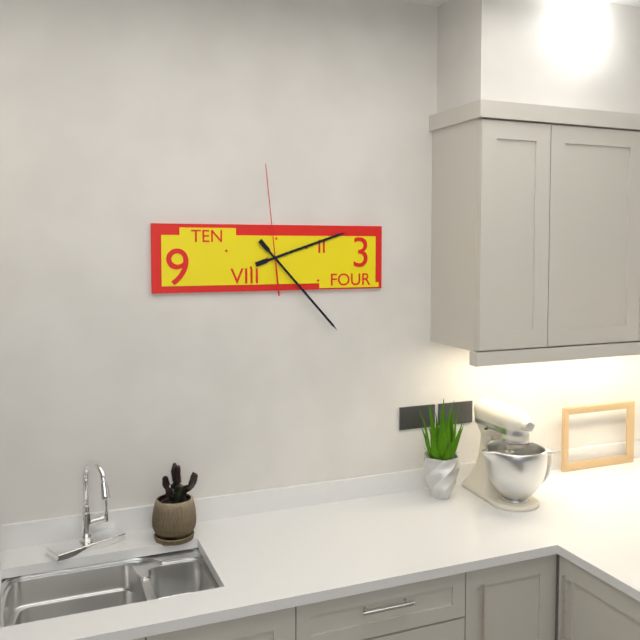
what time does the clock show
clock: 2:23:59
